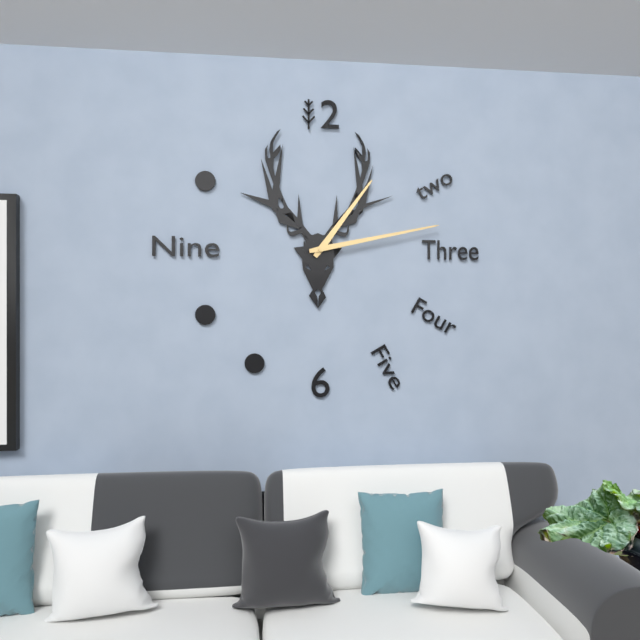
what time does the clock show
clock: 1:13
